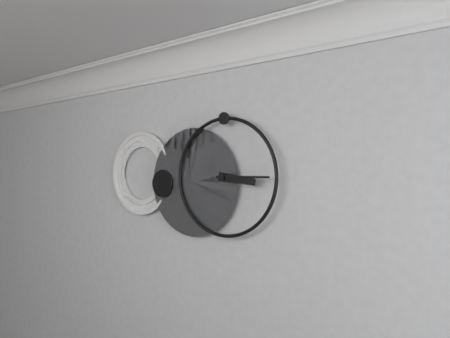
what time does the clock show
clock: 3:15
